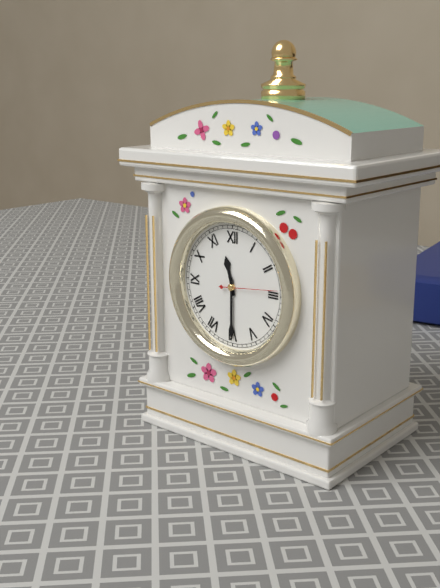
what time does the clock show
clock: 11:30:14
